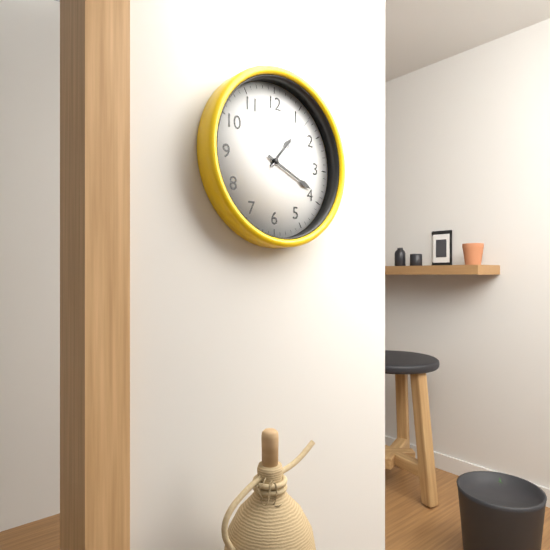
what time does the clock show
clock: 1:19:07
